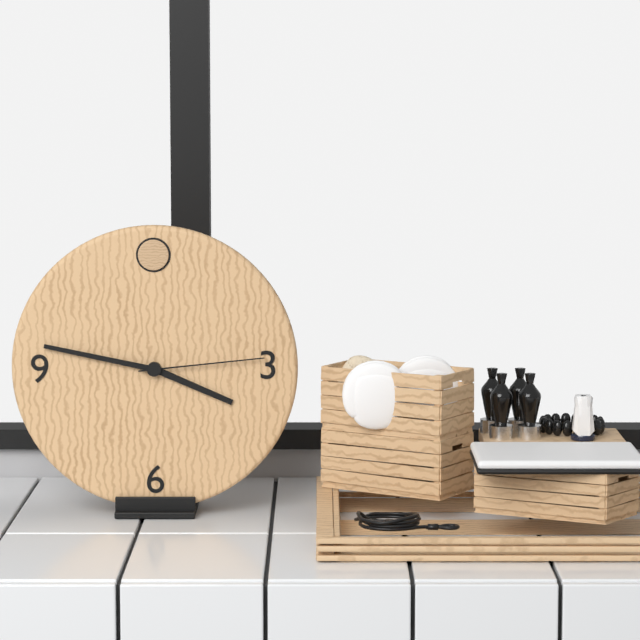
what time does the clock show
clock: 3:47:14
